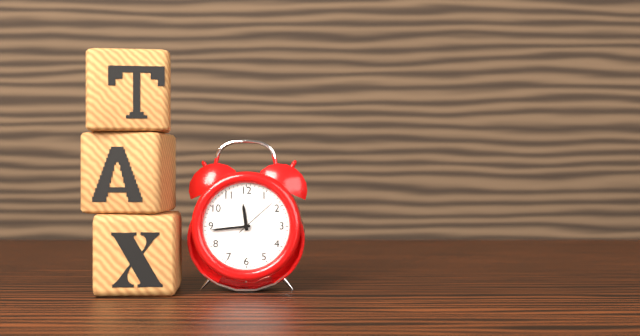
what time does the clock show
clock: 11:44
